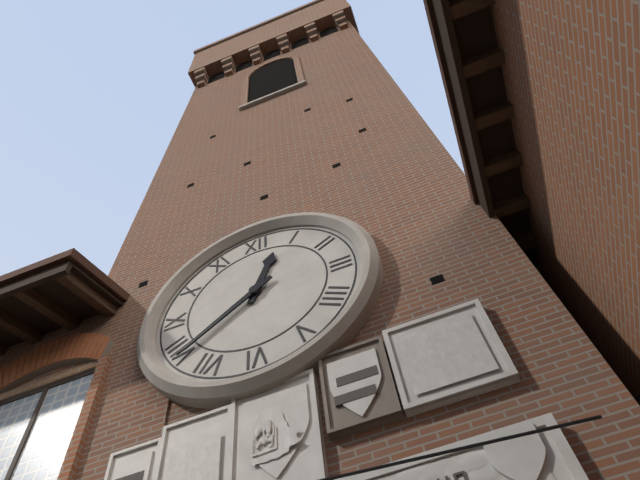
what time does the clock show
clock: 12:39
